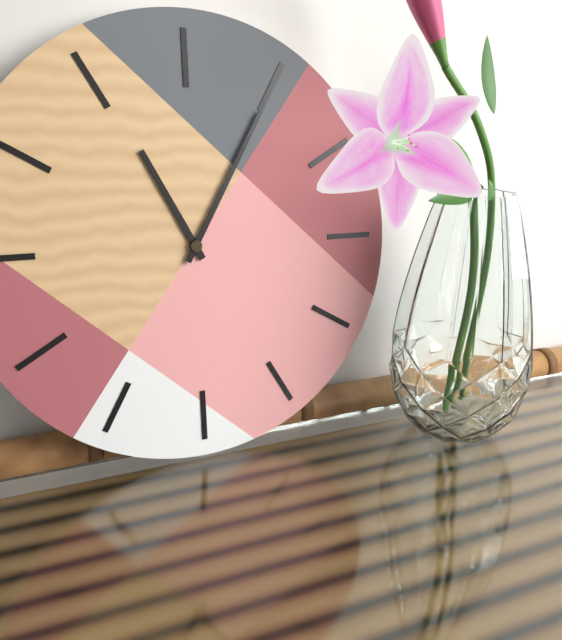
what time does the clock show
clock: 11:05
